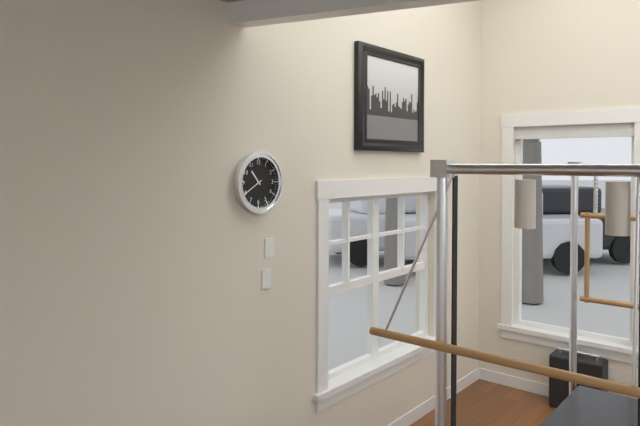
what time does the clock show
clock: 10:40
